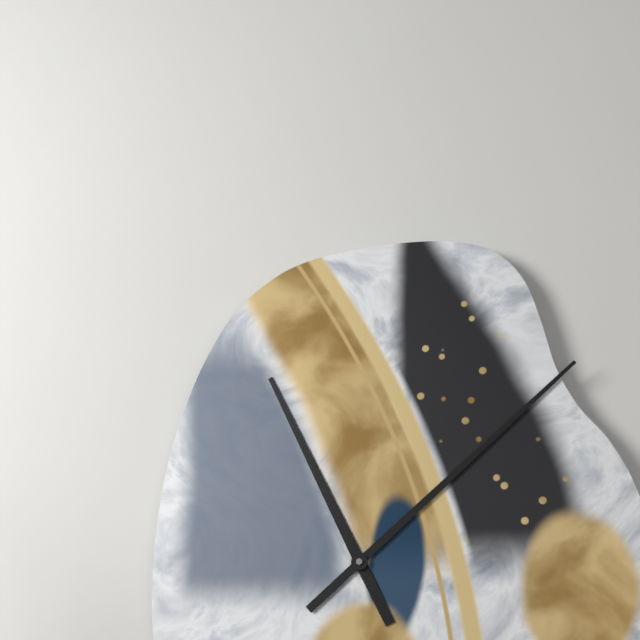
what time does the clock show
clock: 11:08
